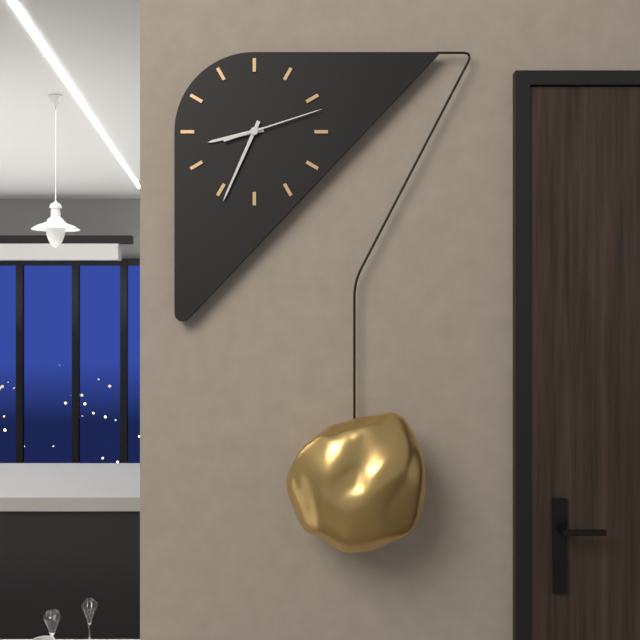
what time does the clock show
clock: 8:34:12
